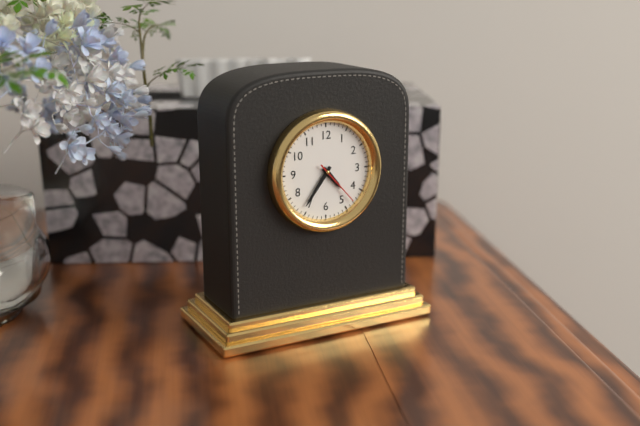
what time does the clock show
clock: 4:36
